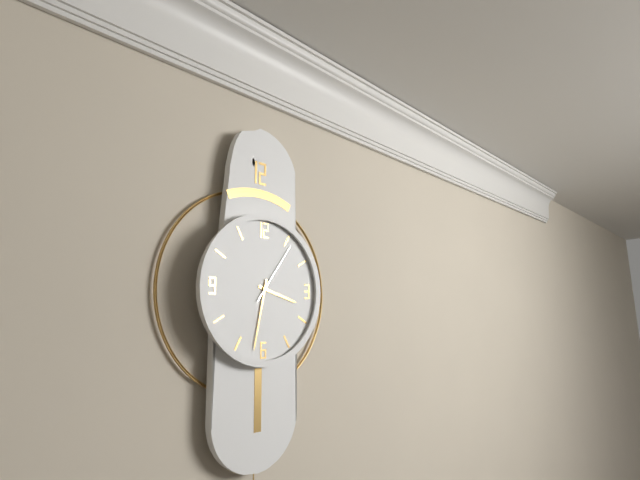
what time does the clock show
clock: 3:32:06
